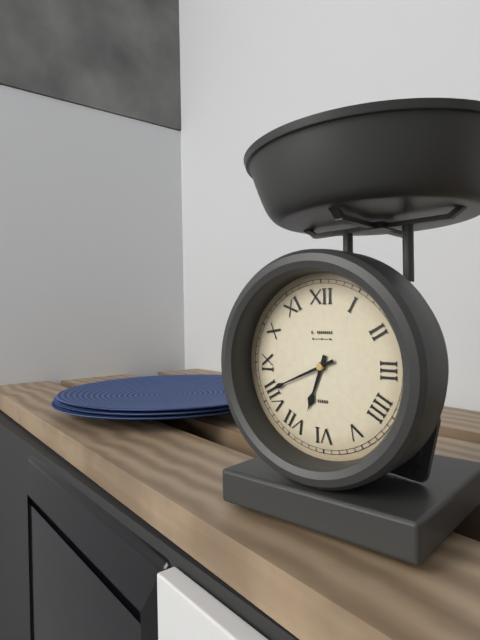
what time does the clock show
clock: 6:41
